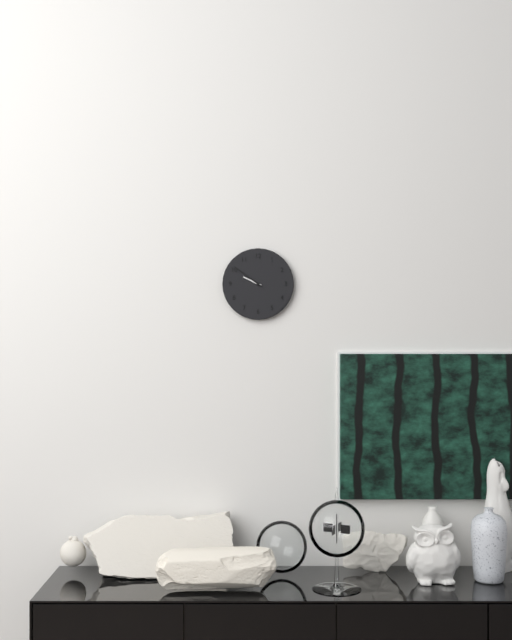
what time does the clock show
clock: 9:51
